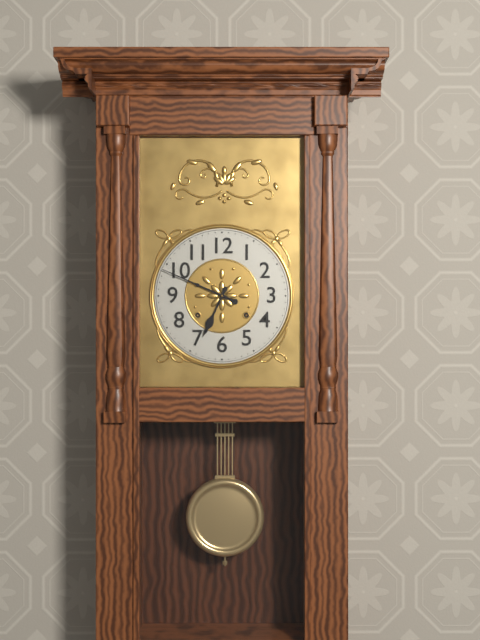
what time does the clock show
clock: 6:49
